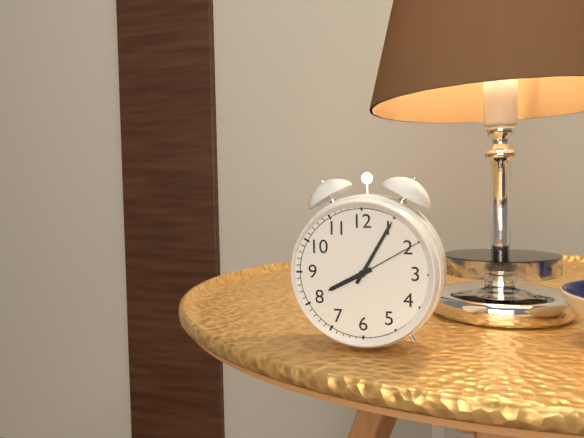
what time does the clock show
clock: 8:05:10
